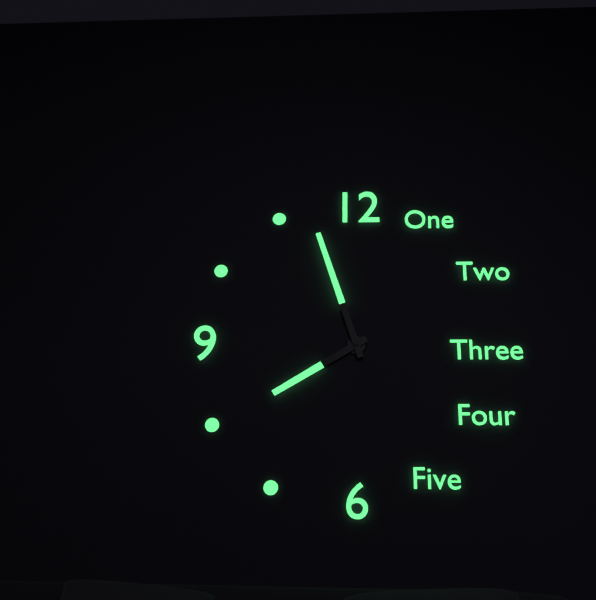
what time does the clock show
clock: 7:57
